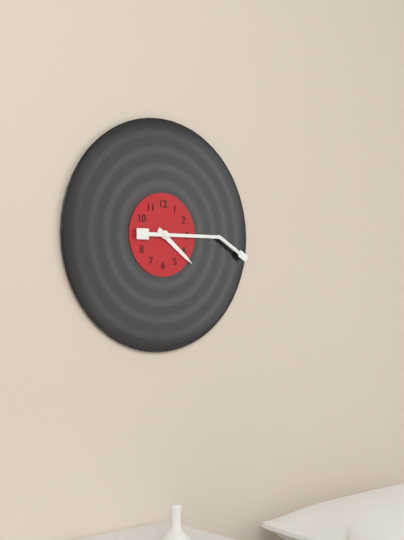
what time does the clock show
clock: 4:15
